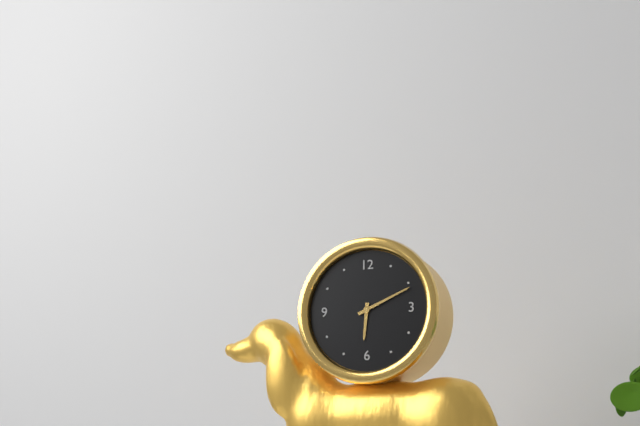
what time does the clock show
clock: 6:11
